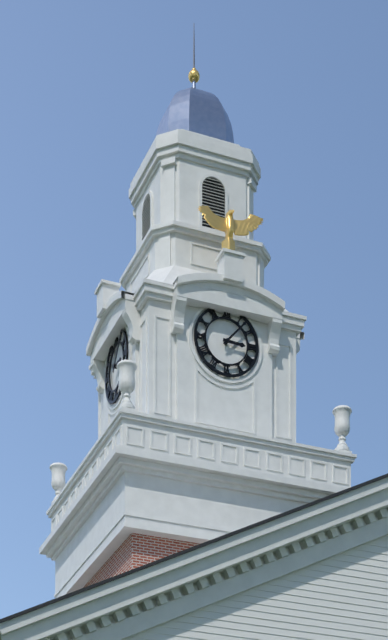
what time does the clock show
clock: 3:07
